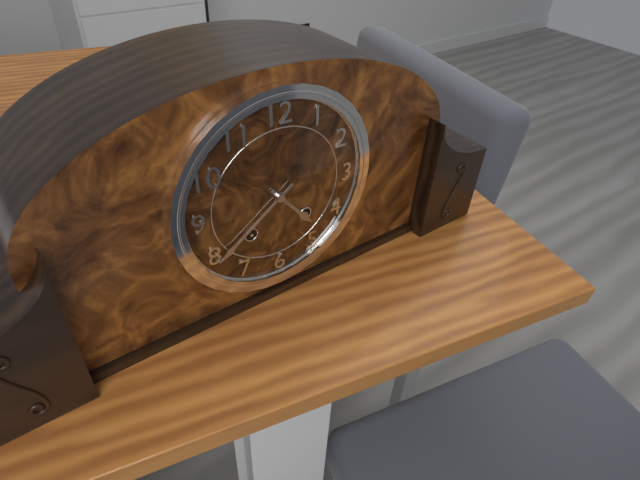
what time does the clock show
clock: 4:39
